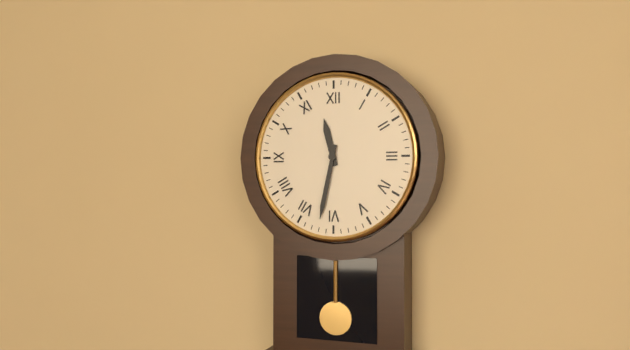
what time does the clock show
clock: 11:32
